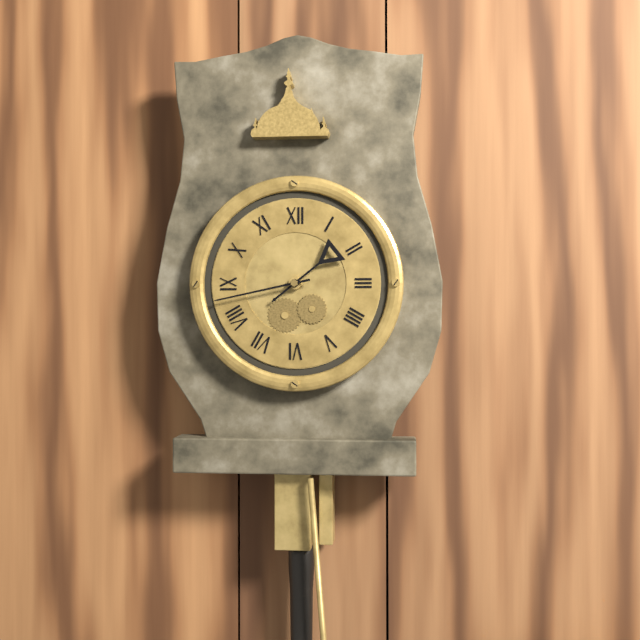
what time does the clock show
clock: 1:43
